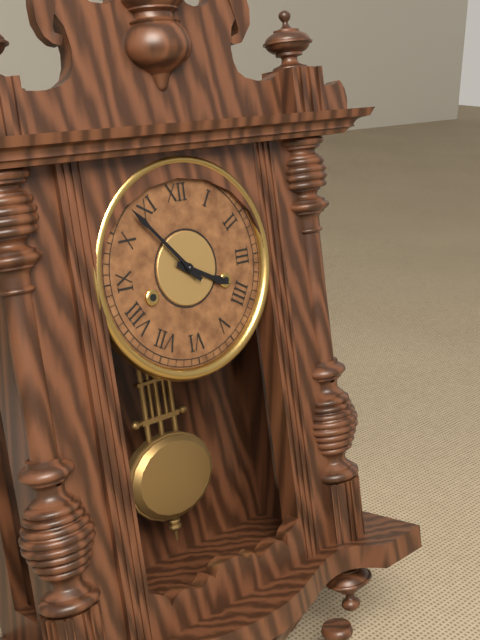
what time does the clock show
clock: 3:53
